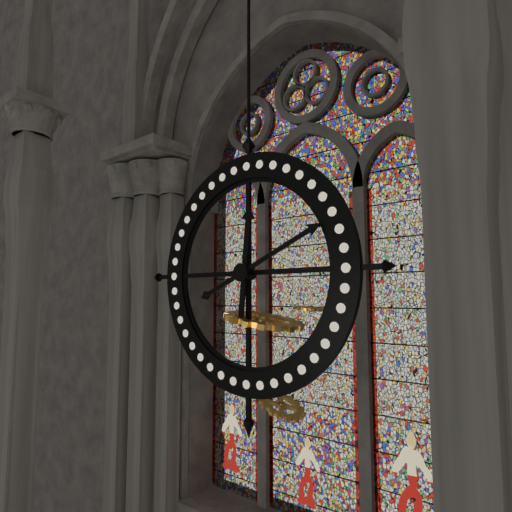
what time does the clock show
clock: 12:11
